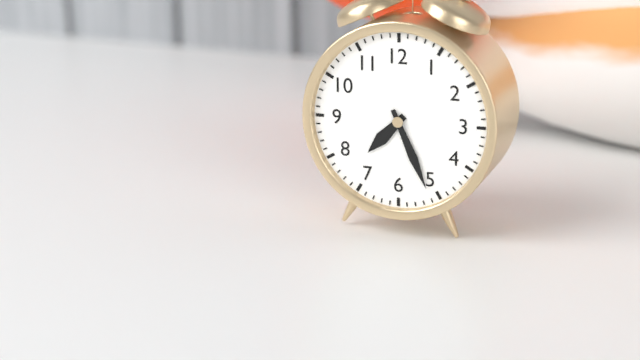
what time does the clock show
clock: 7:26
